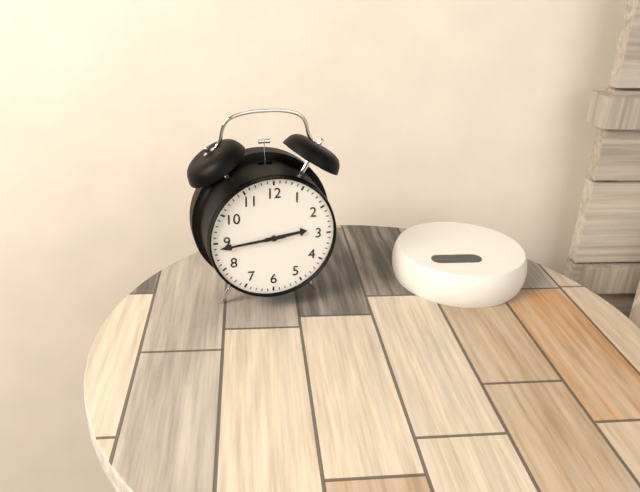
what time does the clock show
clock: 2:44
